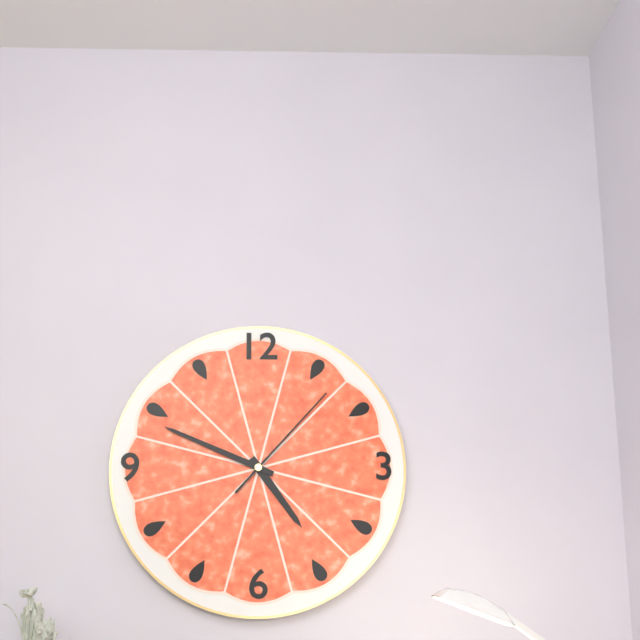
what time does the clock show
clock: 4:49:07
